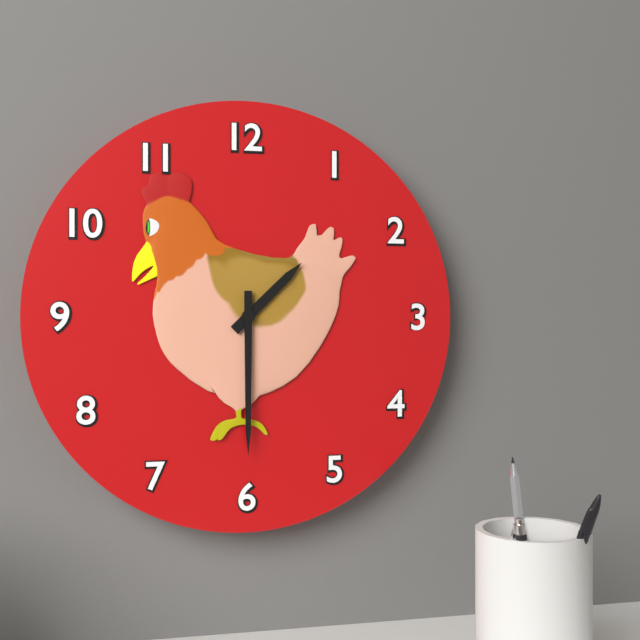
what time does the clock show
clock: 1:30
